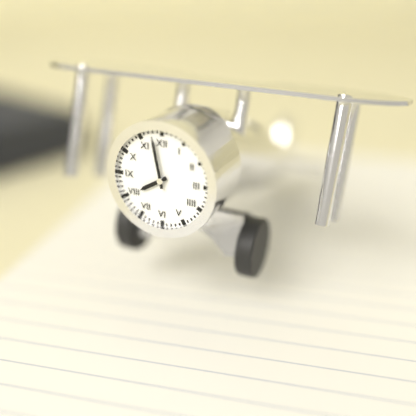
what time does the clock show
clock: 7:58
